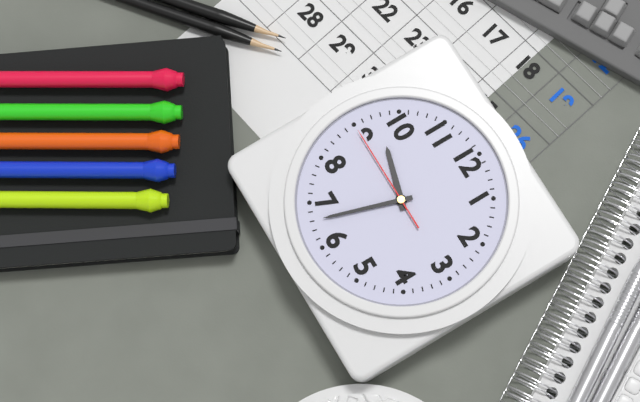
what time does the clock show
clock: 9:33:45
